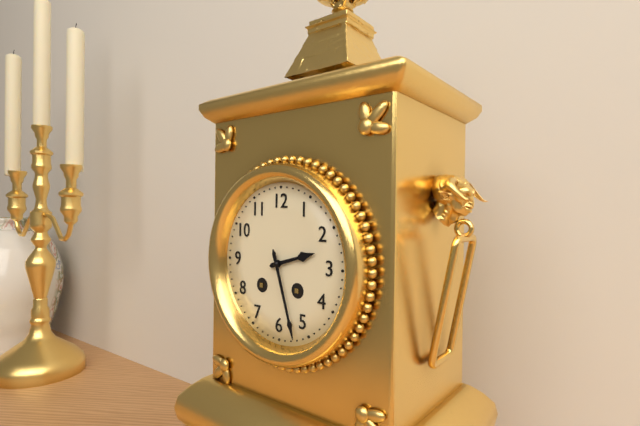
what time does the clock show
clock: 2:27
